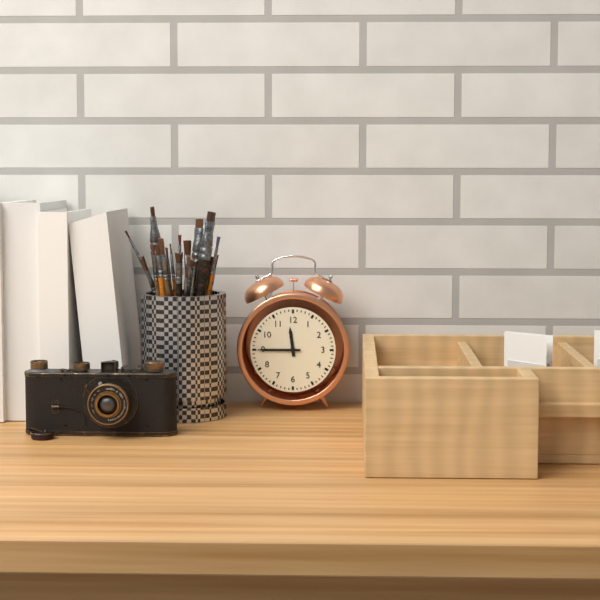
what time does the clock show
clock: 11:45
